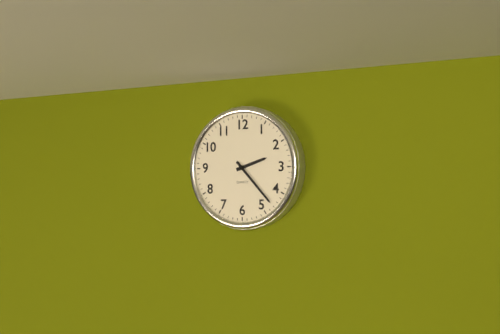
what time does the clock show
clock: 2:23
